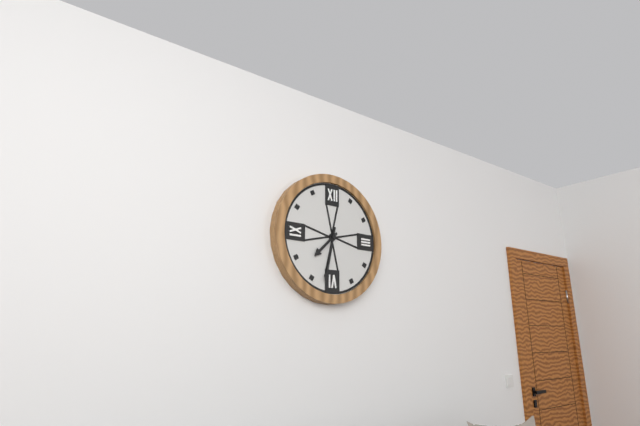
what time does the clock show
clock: 7:32
